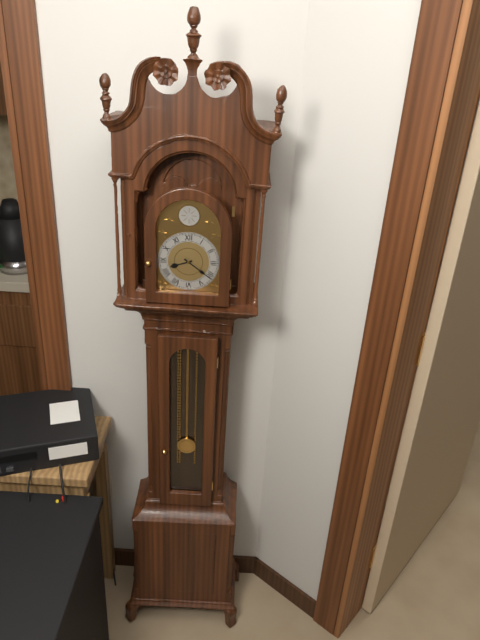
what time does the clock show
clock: 8:21
